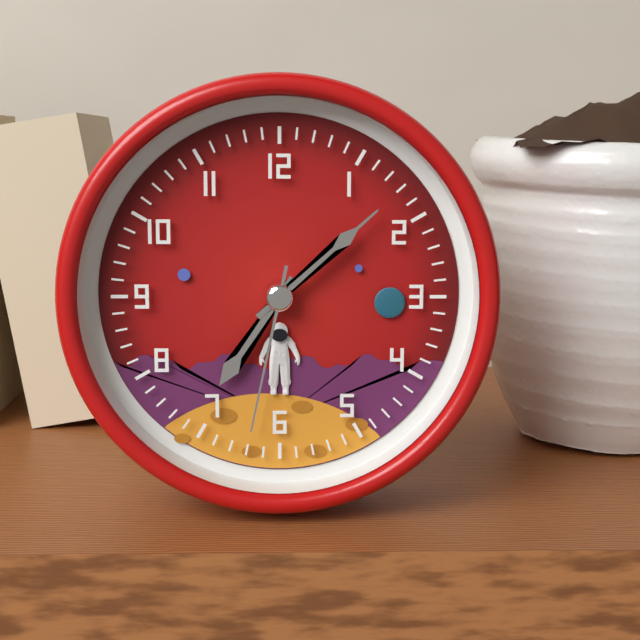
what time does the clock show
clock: 7:08:32
